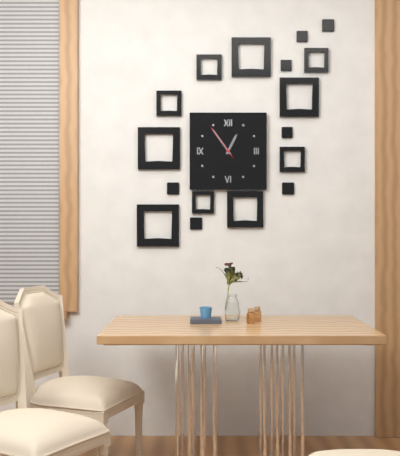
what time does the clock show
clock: 12:54
